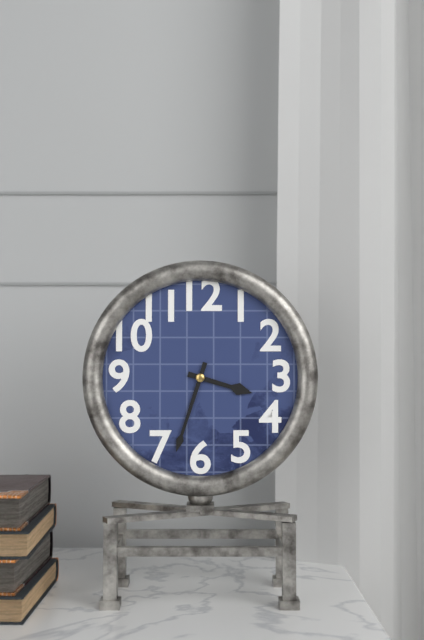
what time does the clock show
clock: 3:33
